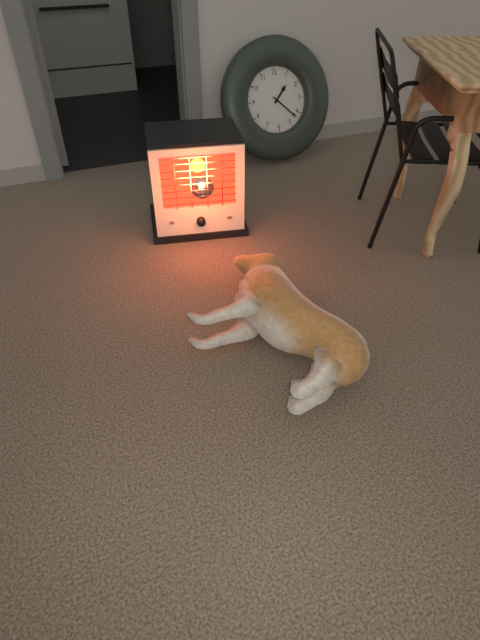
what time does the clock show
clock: 1:22
